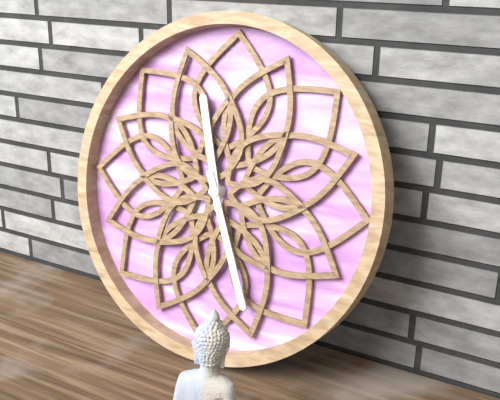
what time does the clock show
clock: 11:26
